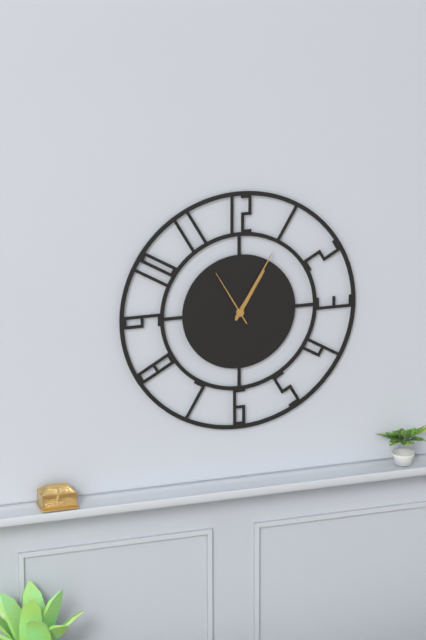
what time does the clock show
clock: 1:05:55
